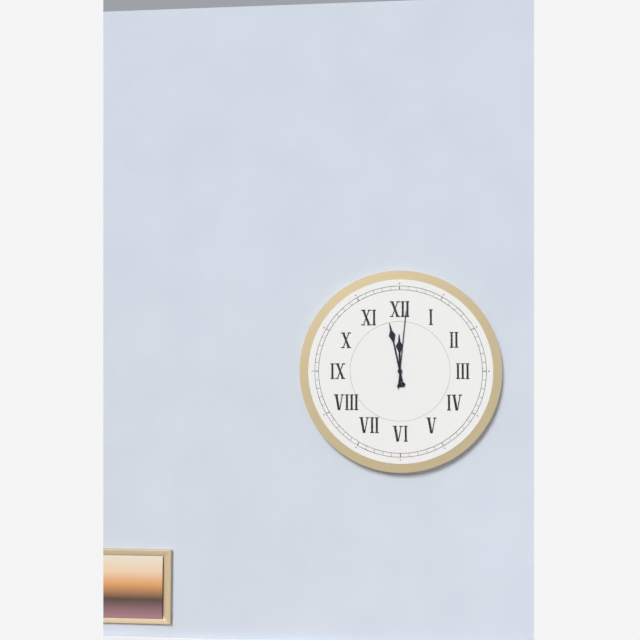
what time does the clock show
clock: 11:58:01
